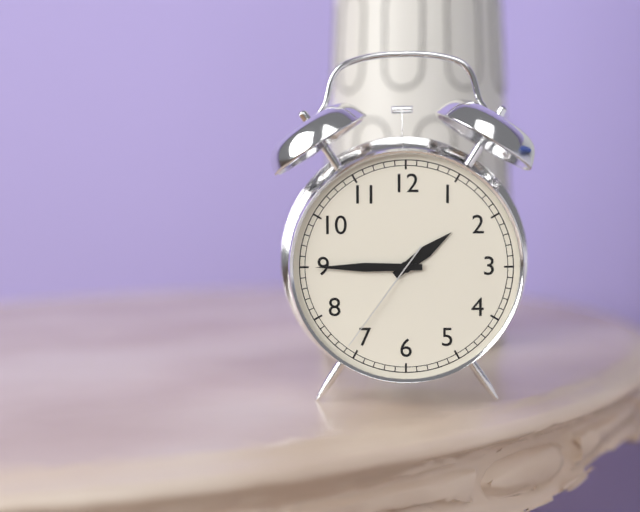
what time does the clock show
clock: 1:45:36
